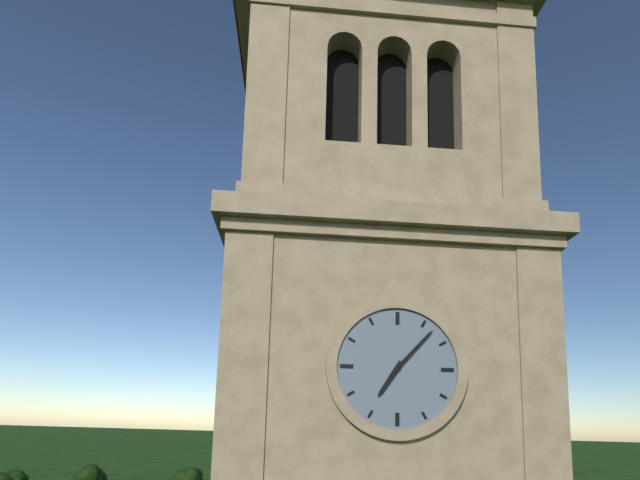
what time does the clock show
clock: 7:07
